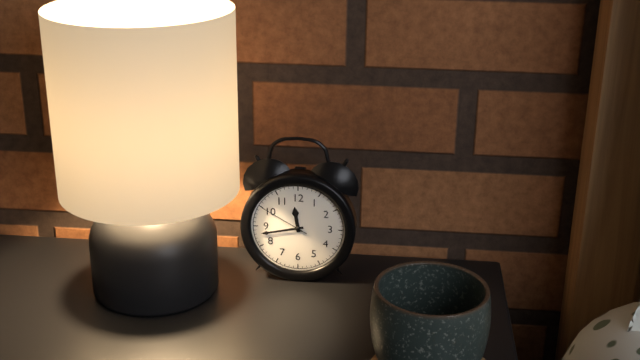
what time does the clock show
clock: 11:43:50
